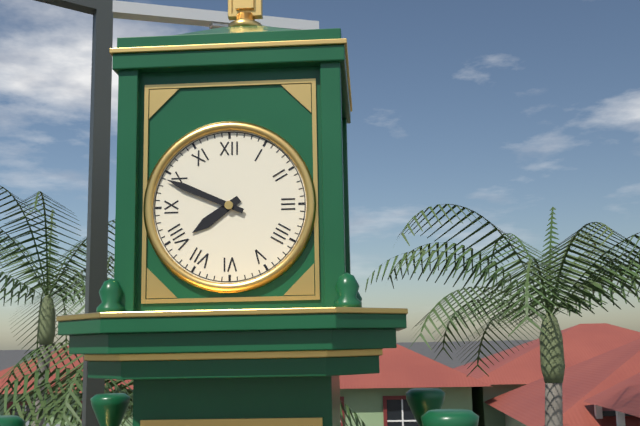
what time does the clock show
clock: 7:49
